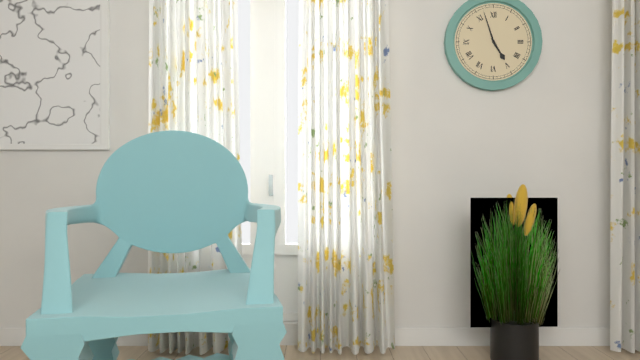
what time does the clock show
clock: 4:57
